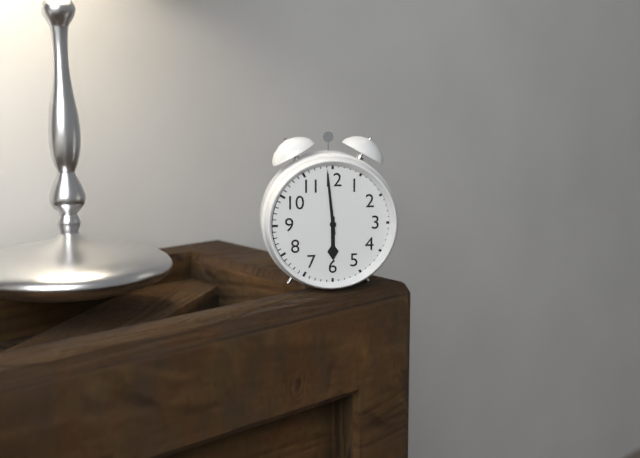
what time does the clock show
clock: 5:59
